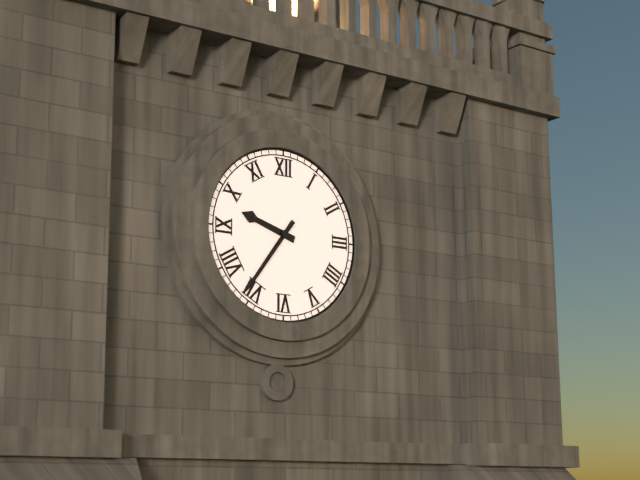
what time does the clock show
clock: 9:36
